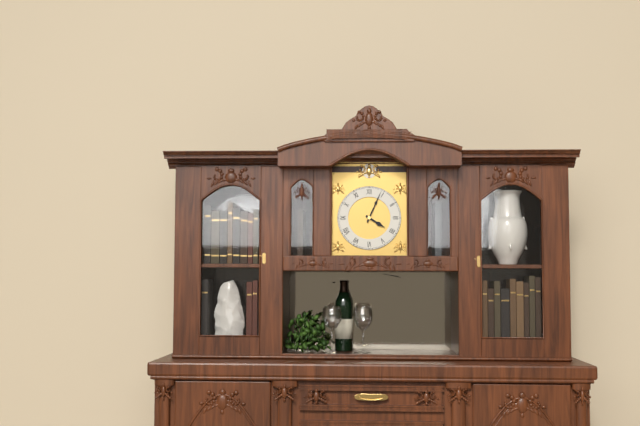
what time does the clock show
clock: 4:04
